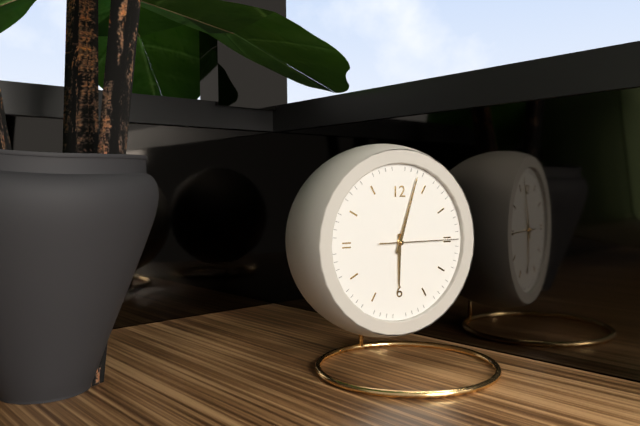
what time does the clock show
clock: 6:03:15
